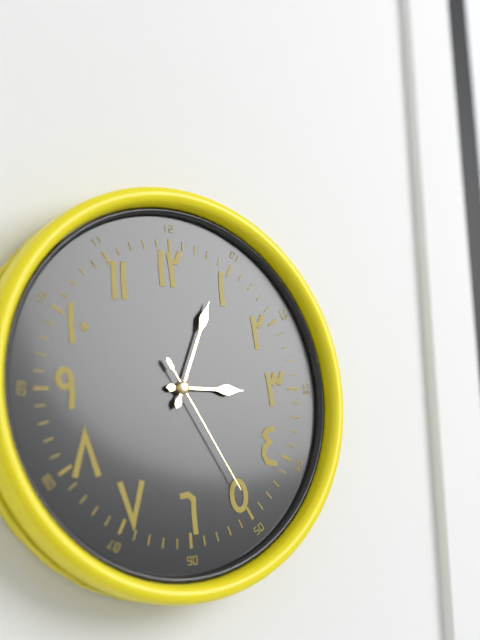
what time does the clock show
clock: 3:04:25
